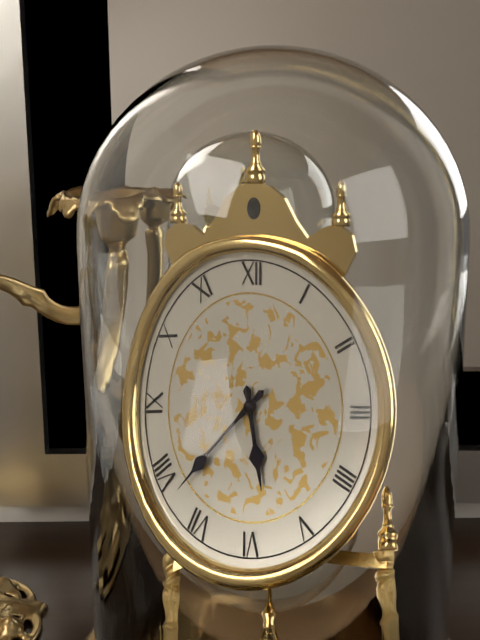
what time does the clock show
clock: 5:38
